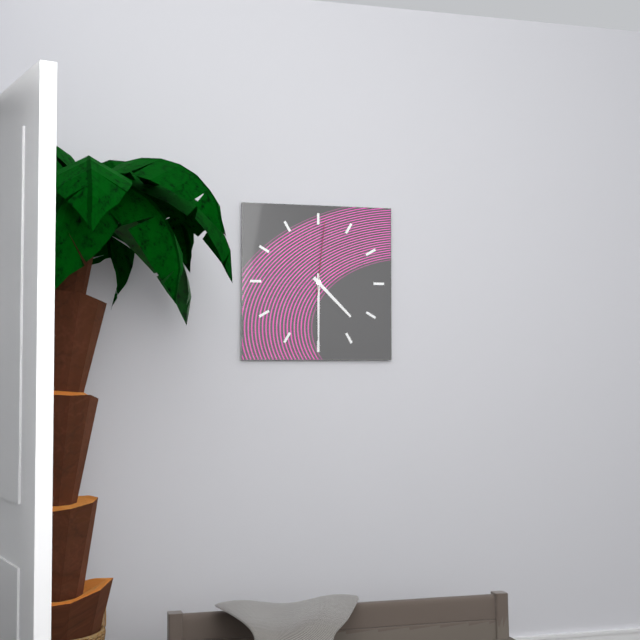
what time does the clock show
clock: 4:30:01
